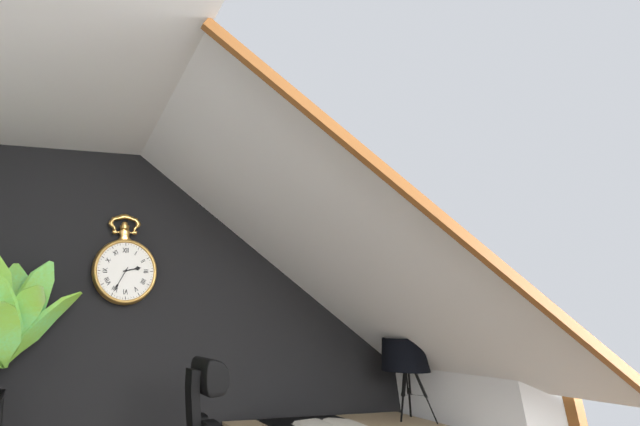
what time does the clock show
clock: 2:35
